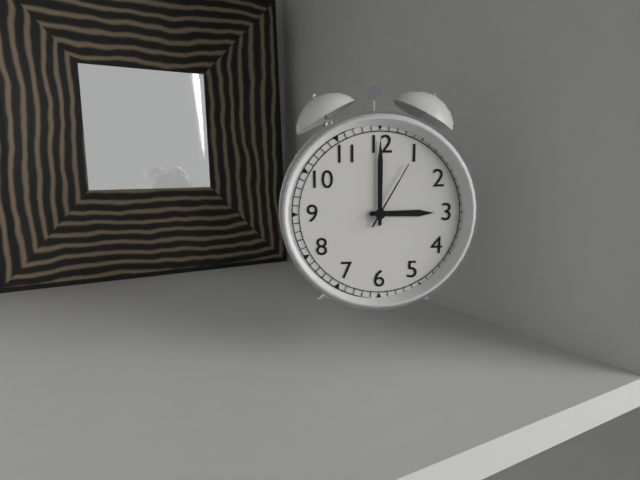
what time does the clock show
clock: 3:00:05
